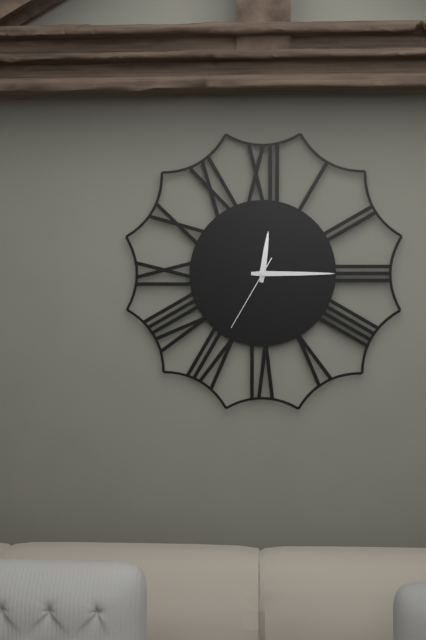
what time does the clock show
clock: 12:15:35
